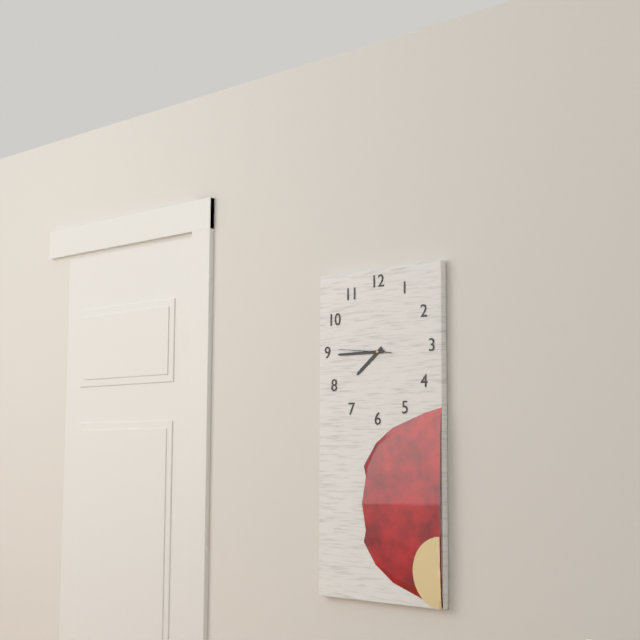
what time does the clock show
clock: 7:45:46
